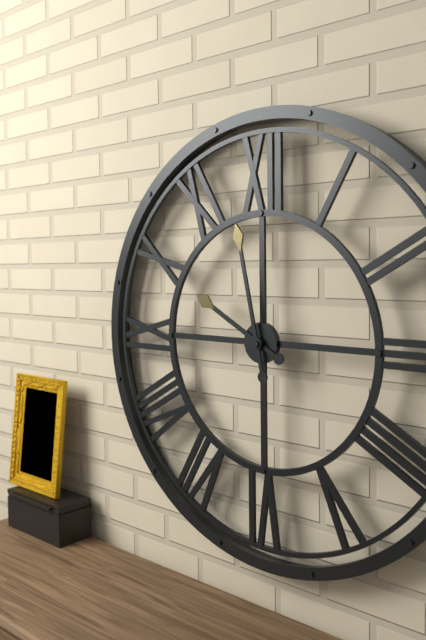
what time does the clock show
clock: 9:58
